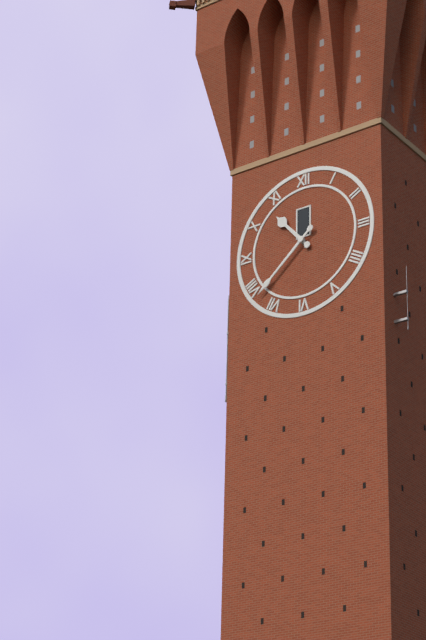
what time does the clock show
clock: 10:38
